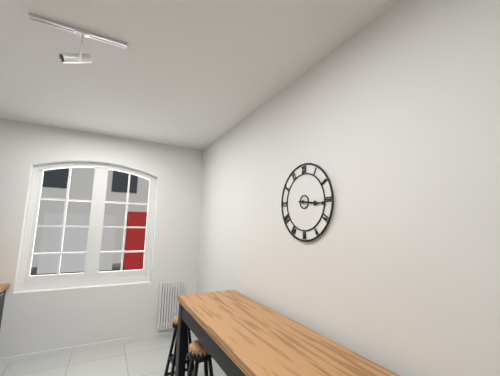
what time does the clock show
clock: 3:16
